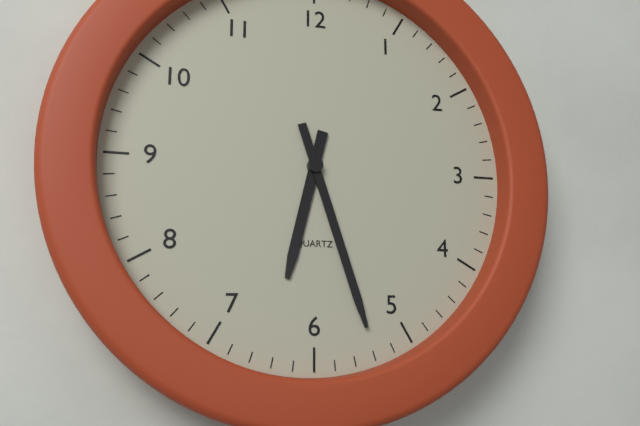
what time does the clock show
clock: 6:27
